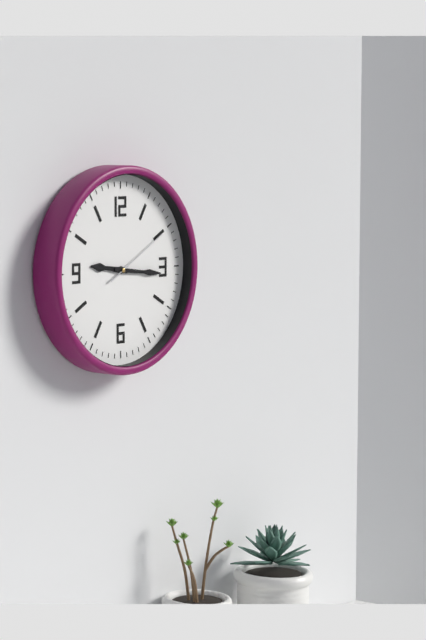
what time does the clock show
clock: 9:16:10
